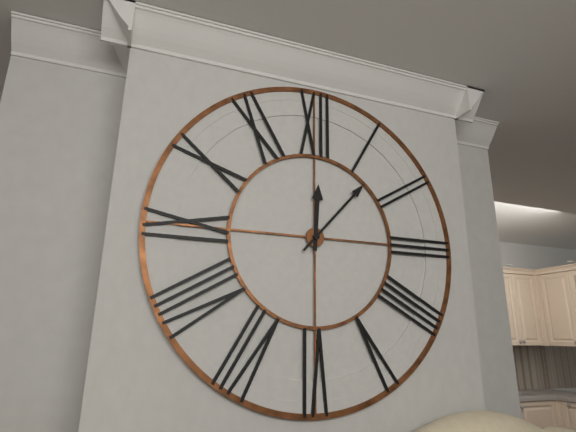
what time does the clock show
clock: 12:07
